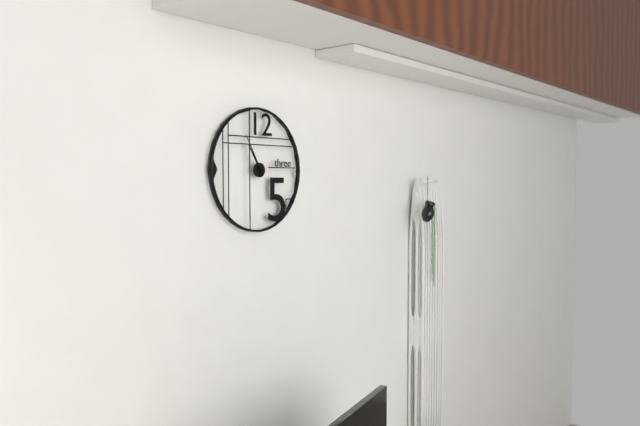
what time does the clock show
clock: 10:55
